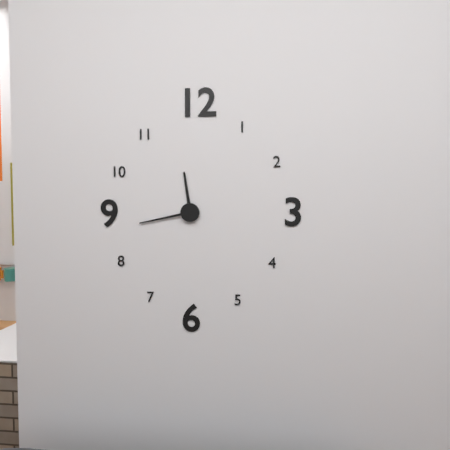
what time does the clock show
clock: 11:43
